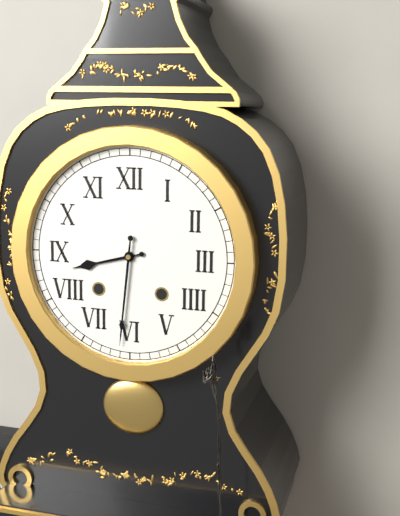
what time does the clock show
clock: 8:31
